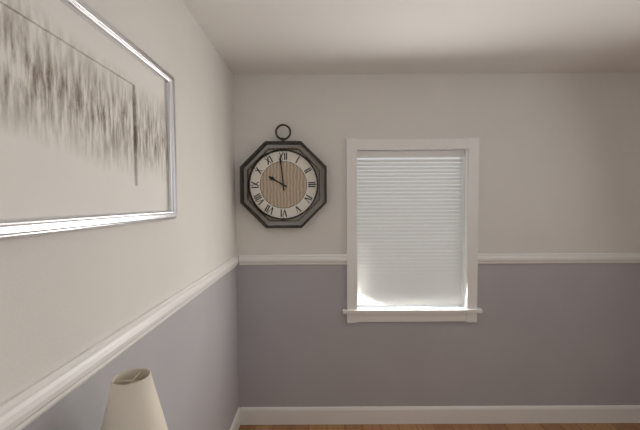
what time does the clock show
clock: 9:59
